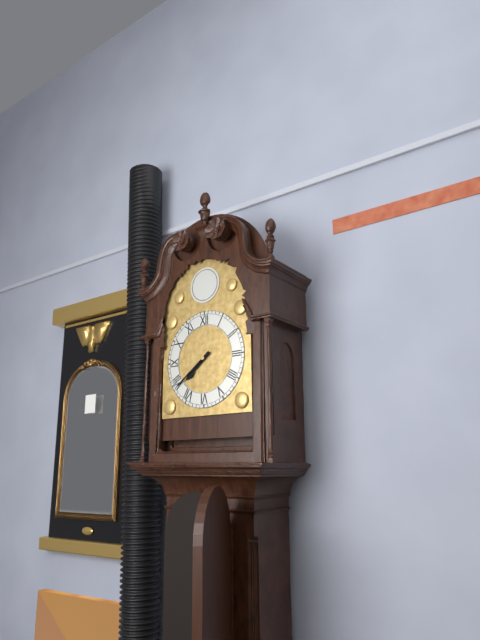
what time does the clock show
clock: 7:39
